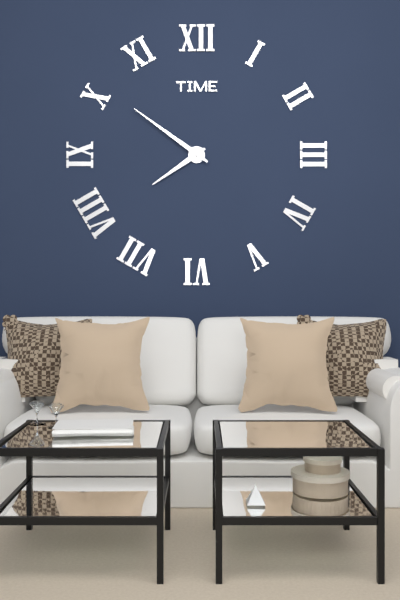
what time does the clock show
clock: 7:51
